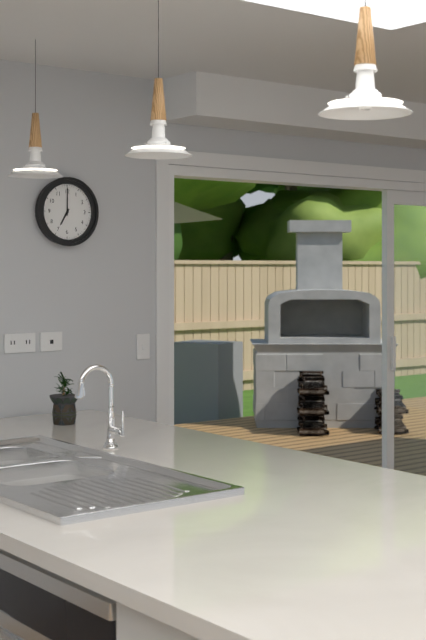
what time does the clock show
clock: 7:00
